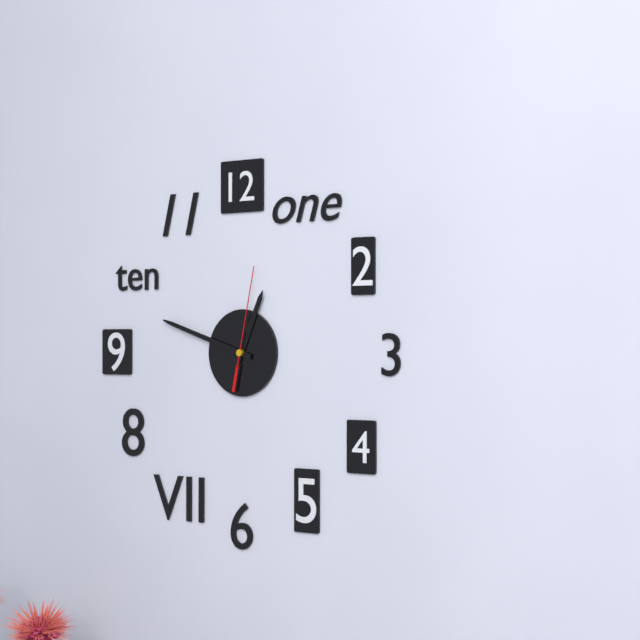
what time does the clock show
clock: 12:48:02
